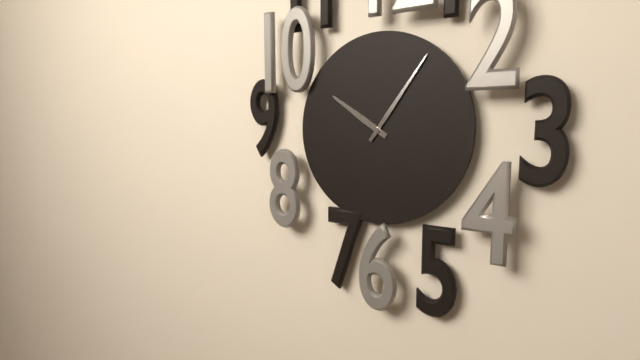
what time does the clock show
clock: 10:06
